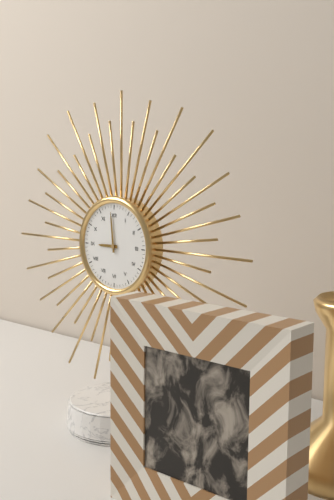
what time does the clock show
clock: 8:59
